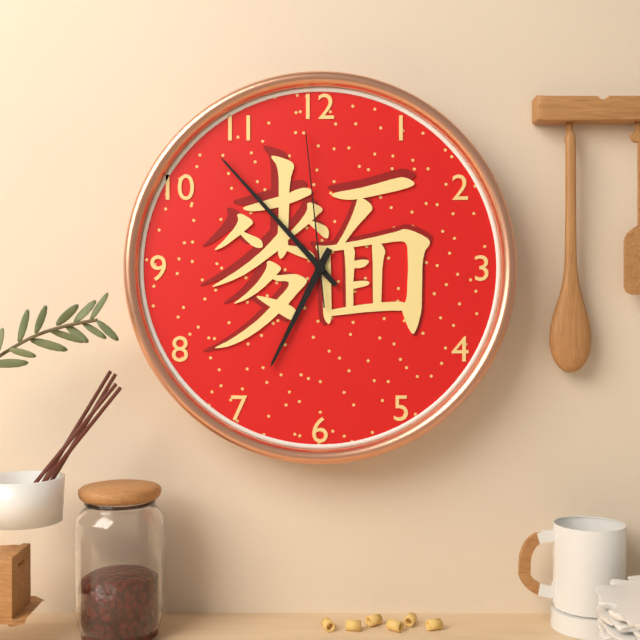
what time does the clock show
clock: 6:53:59
